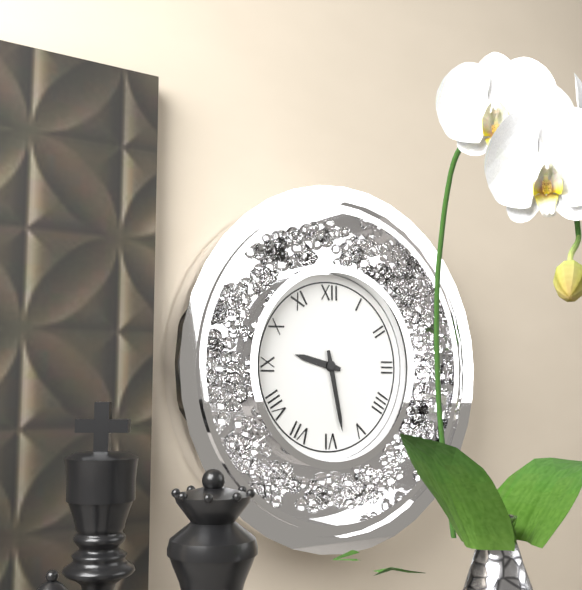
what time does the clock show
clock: 9:28
